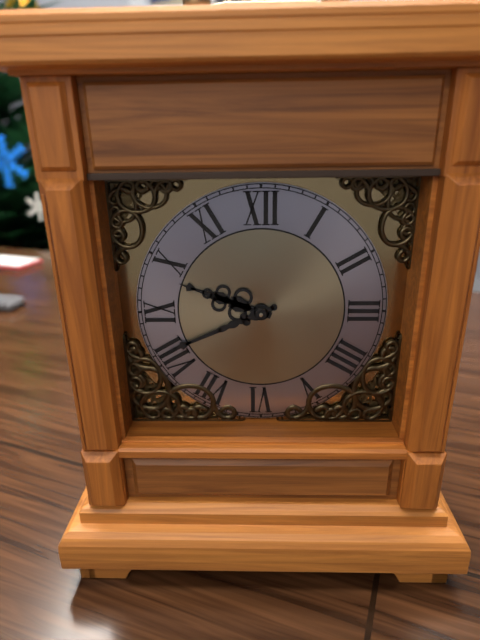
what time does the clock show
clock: 9:41
